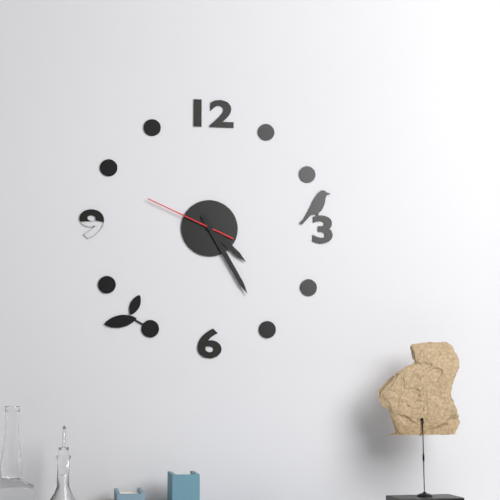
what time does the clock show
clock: 4:25:49
